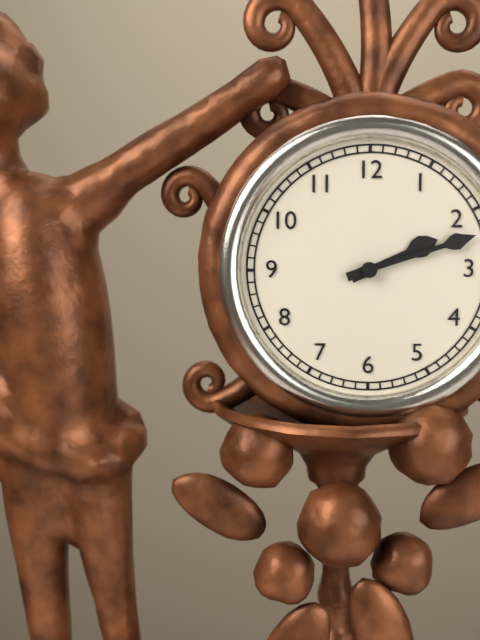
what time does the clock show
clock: 2:12
